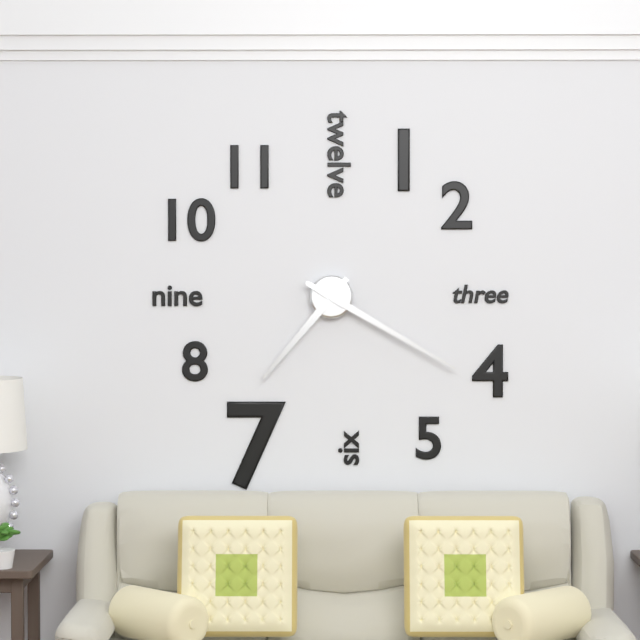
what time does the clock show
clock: 7:20
